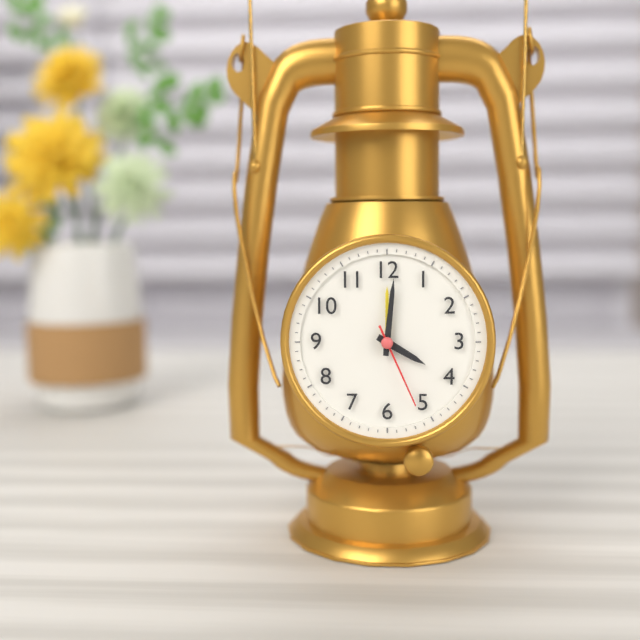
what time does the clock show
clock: 4:01:26
